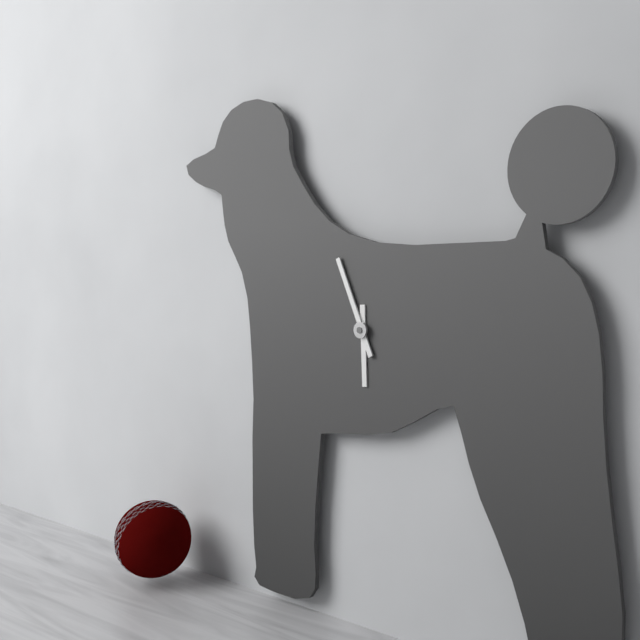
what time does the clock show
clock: 5:56
